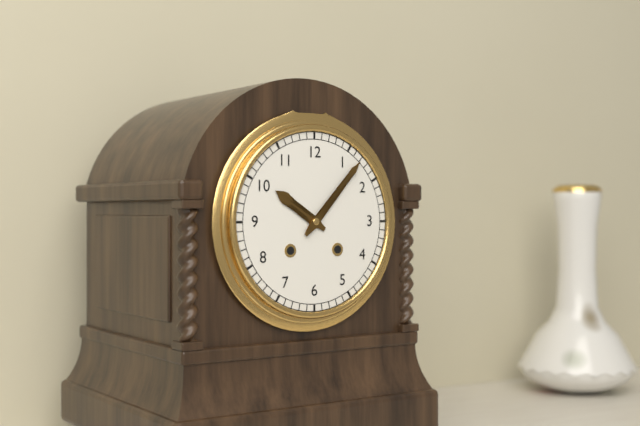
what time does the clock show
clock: 10:07
